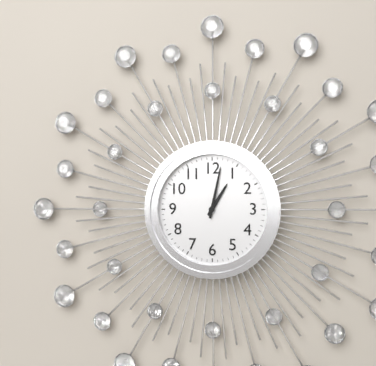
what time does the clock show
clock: 1:02
